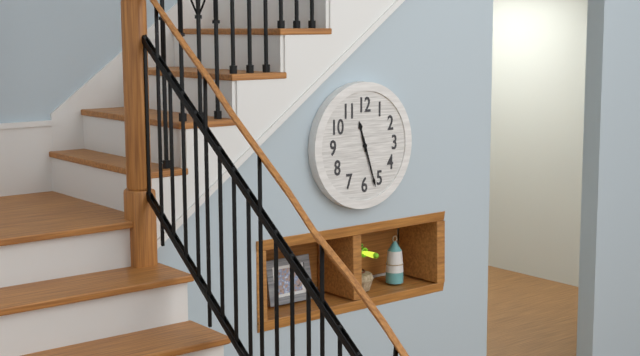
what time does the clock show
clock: 11:27
